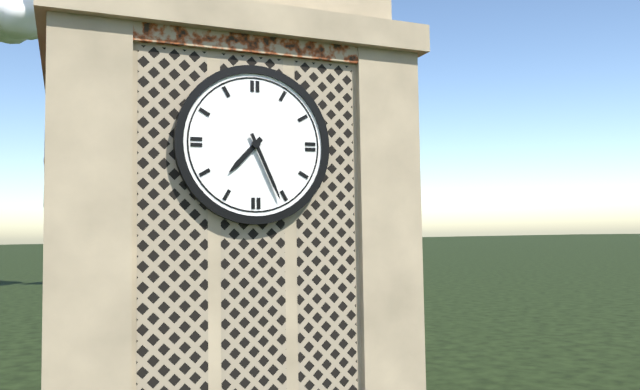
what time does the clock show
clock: 7:26
